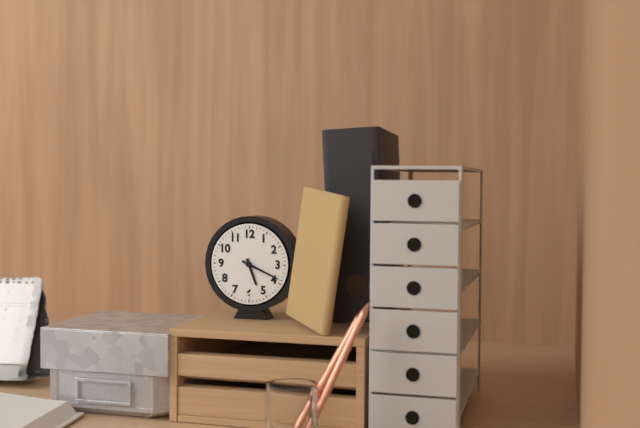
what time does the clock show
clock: 5:19
